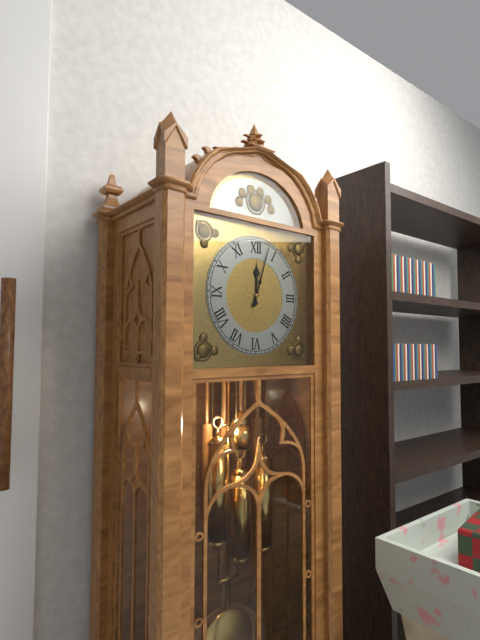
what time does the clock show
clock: 12:03
